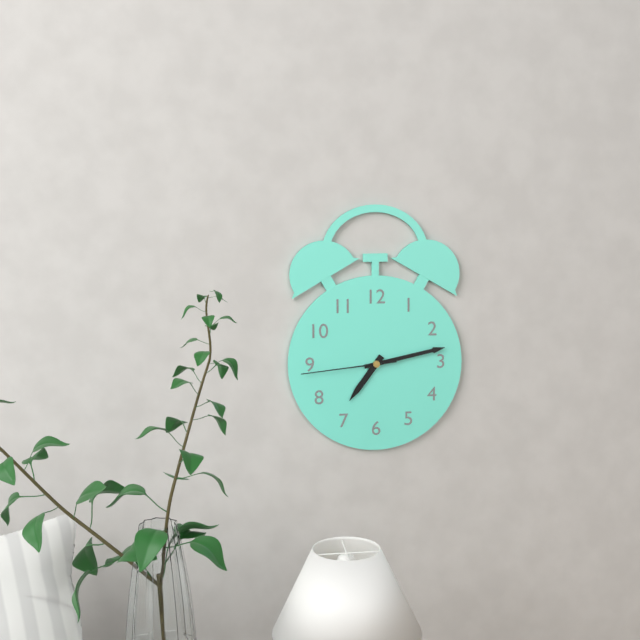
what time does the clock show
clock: 7:13:44
